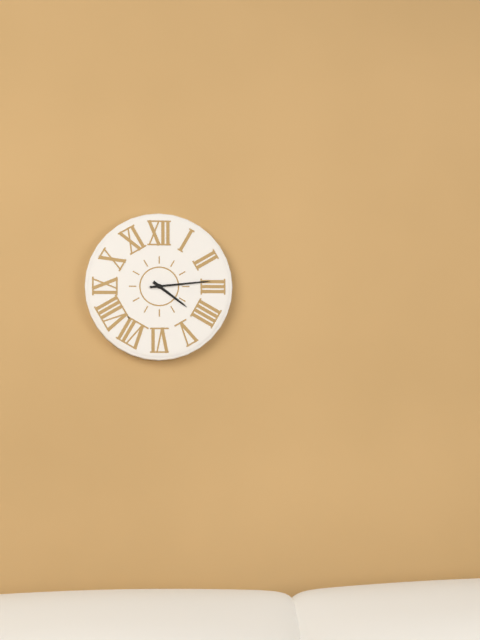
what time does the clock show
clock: 4:14
